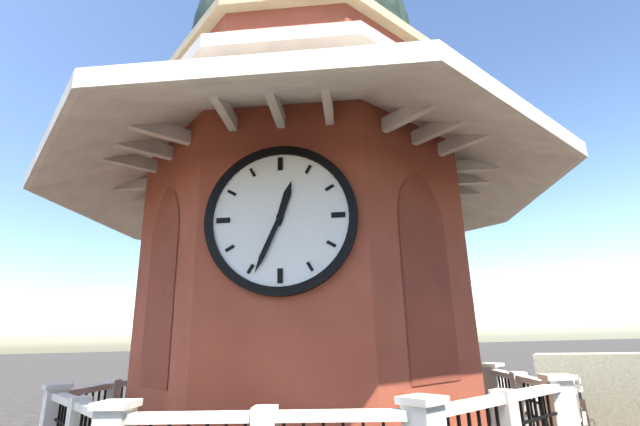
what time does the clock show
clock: 12:34
